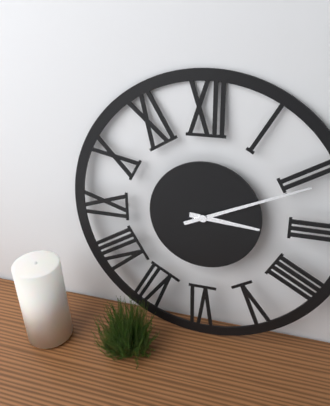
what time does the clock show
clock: 3:11
